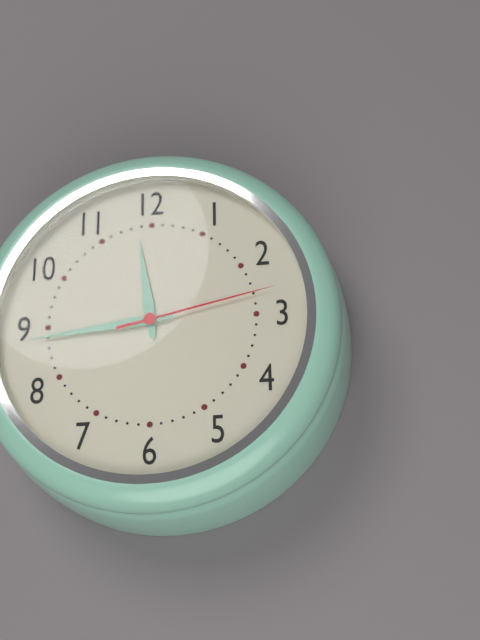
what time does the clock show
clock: 11:44:13
